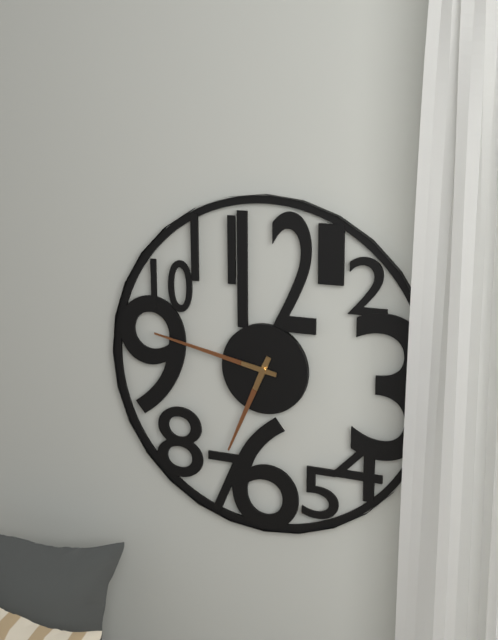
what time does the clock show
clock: 6:47
